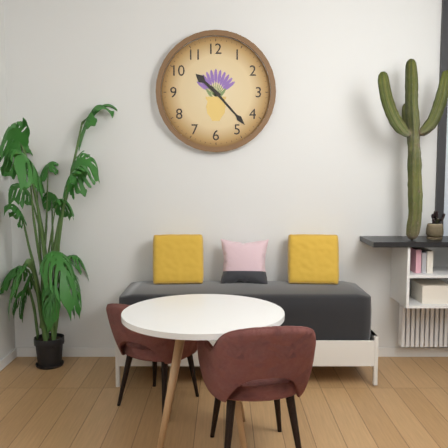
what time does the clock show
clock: 10:23
